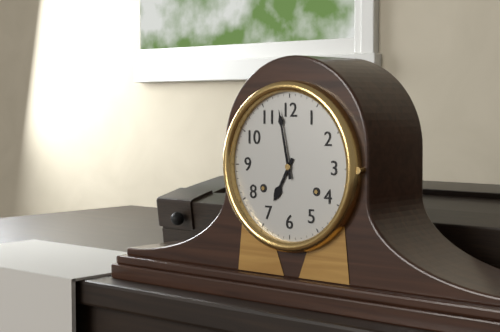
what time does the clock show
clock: 6:58
